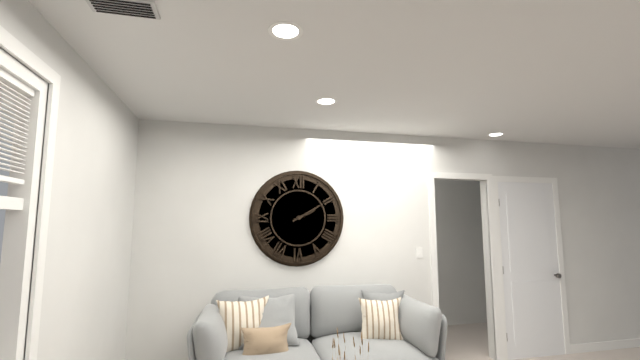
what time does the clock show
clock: 2:10
